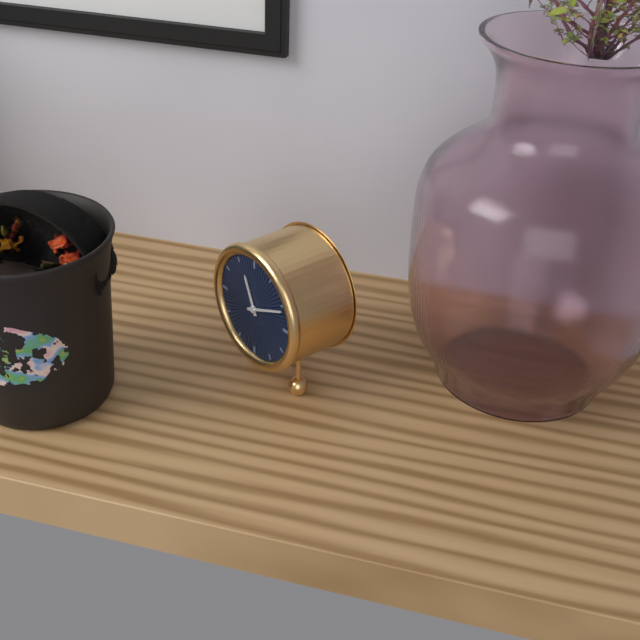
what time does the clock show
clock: 11:11
